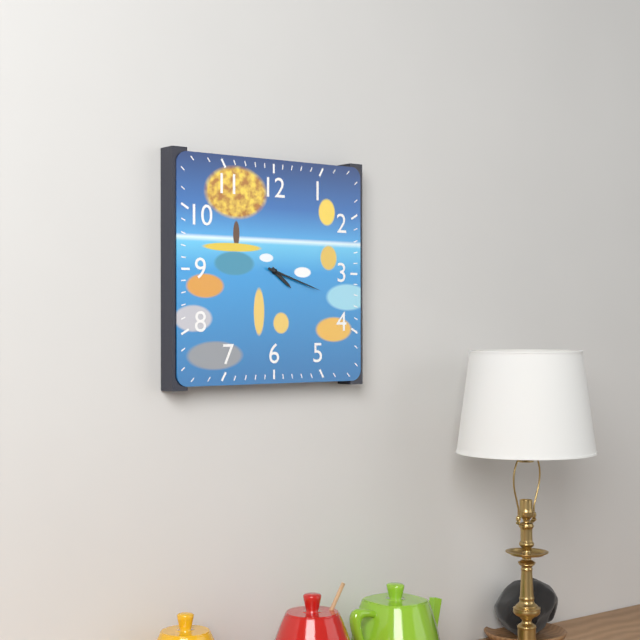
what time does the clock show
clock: 4:18
